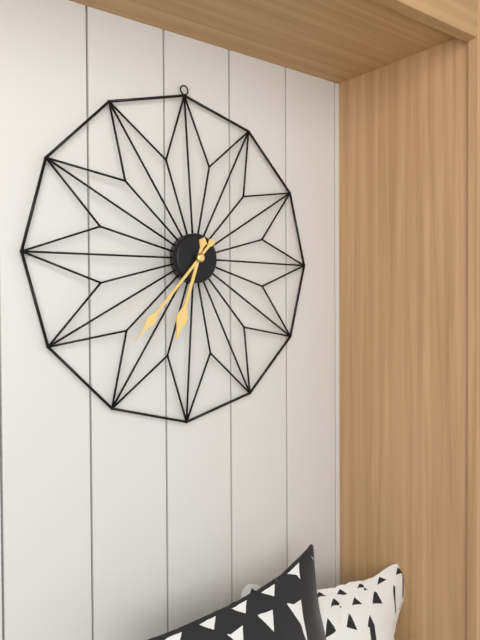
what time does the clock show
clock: 6:37
